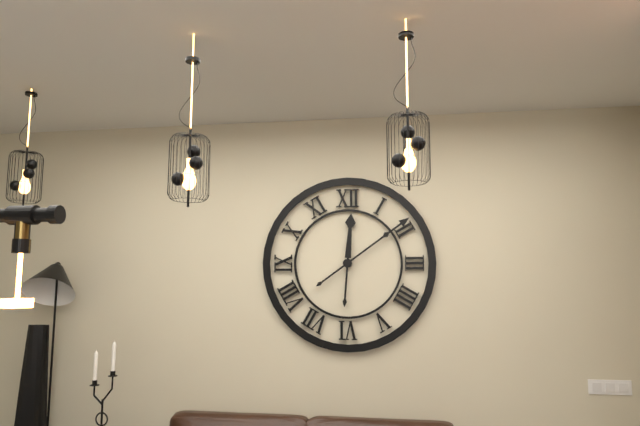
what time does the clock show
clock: 12:09
